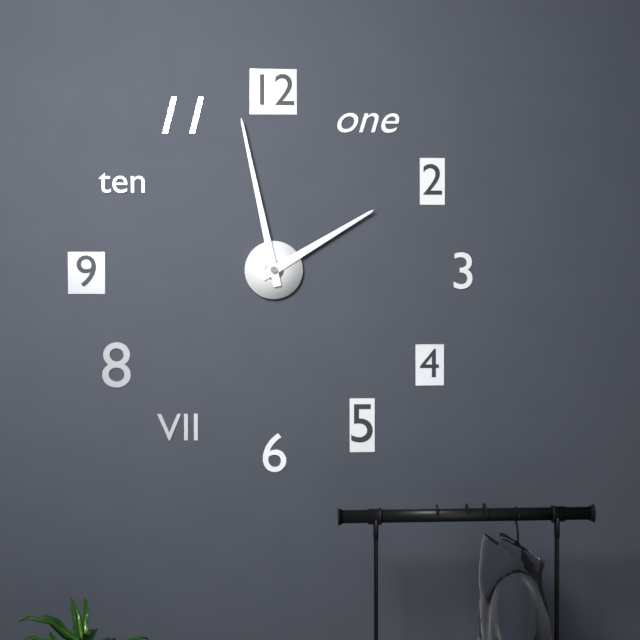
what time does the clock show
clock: 1:58
